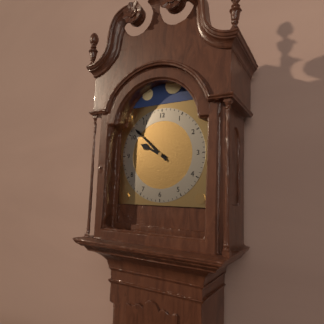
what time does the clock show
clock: 9:52
